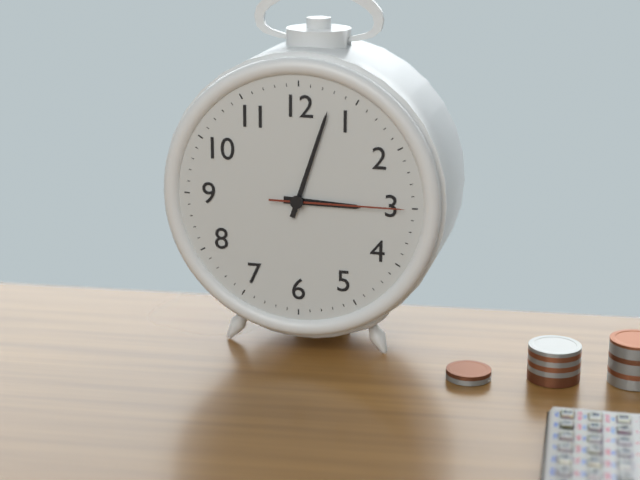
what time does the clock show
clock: 3:03:15
